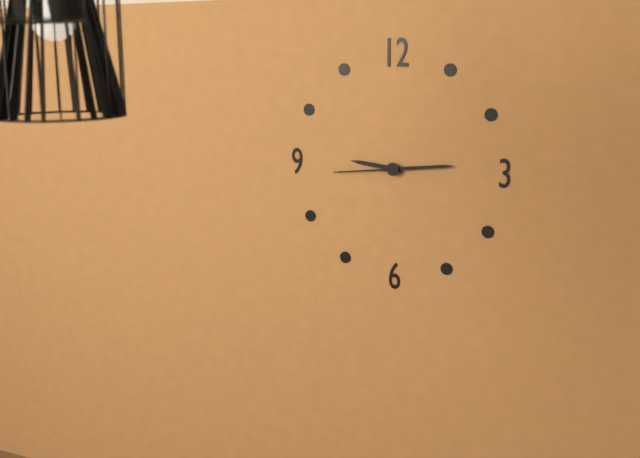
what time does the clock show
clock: 9:14:44
